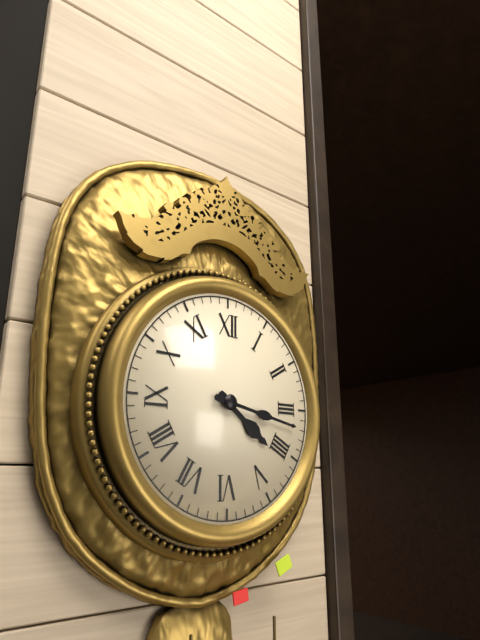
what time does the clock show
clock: 4:17
